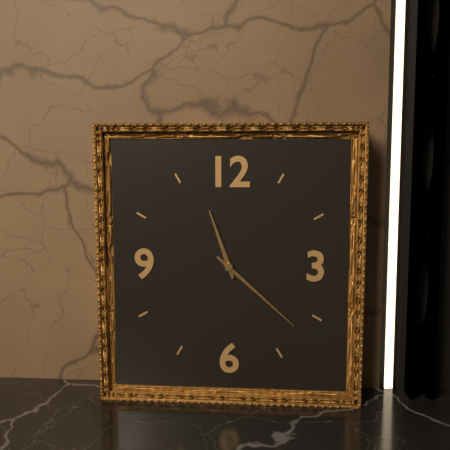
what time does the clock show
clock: 11:22
